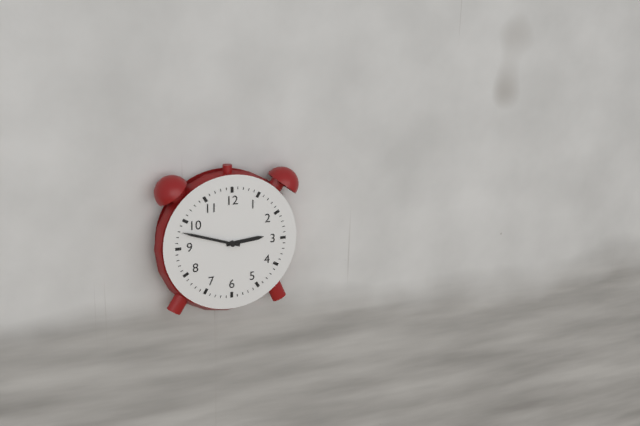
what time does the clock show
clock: 2:48
